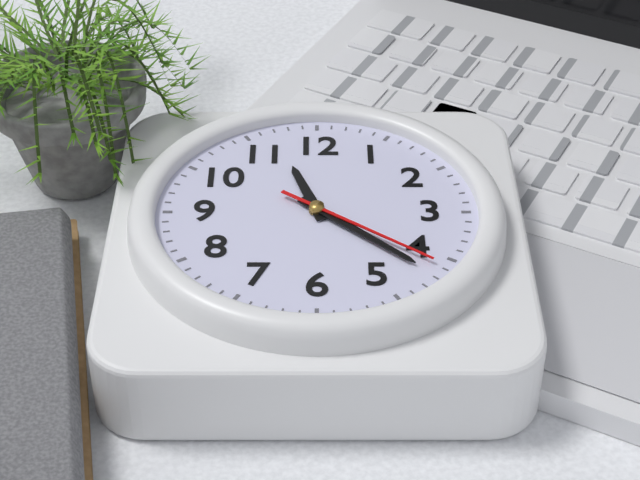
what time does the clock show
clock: 11:22:21
